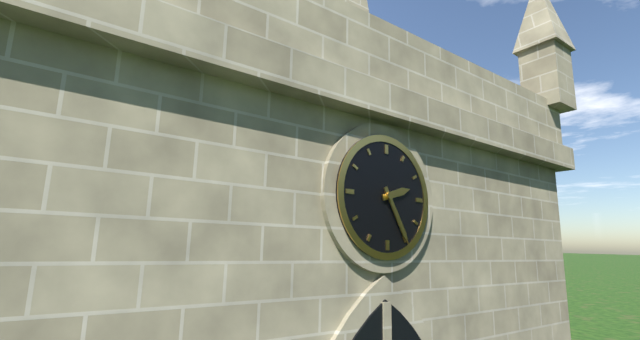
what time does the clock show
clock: 2:25
